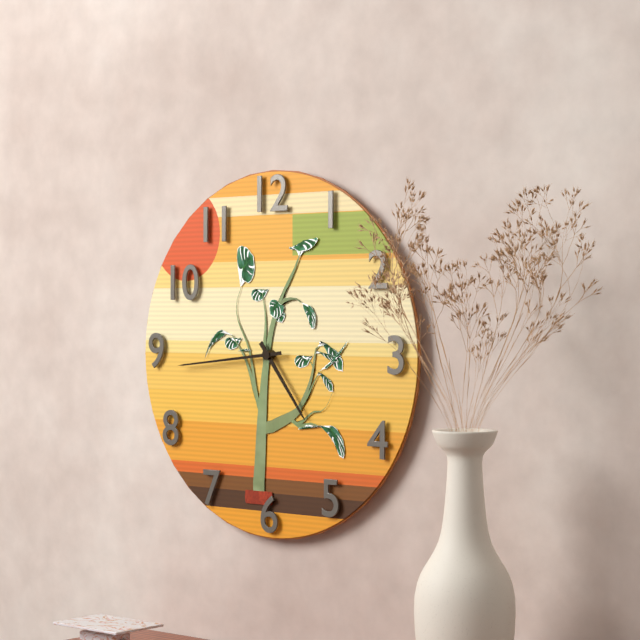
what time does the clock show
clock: 4:44
